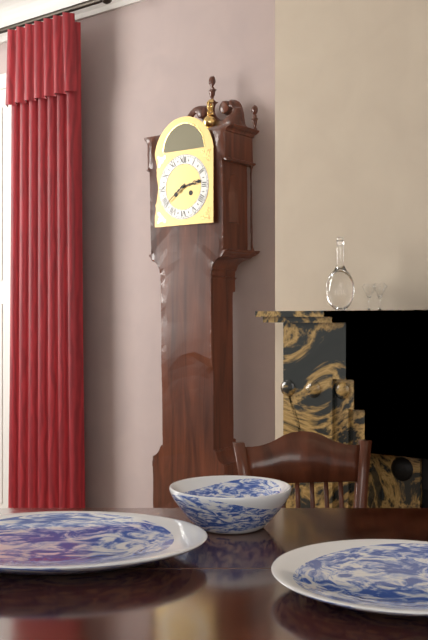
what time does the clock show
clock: 2:39
